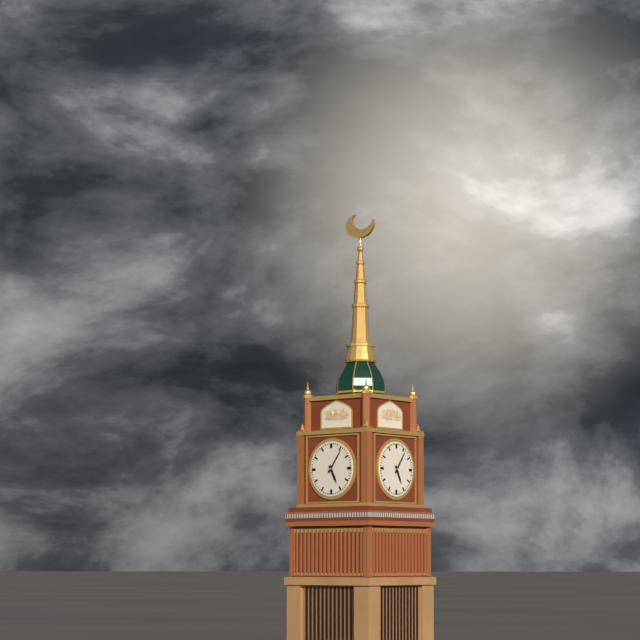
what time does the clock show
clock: 5:06
